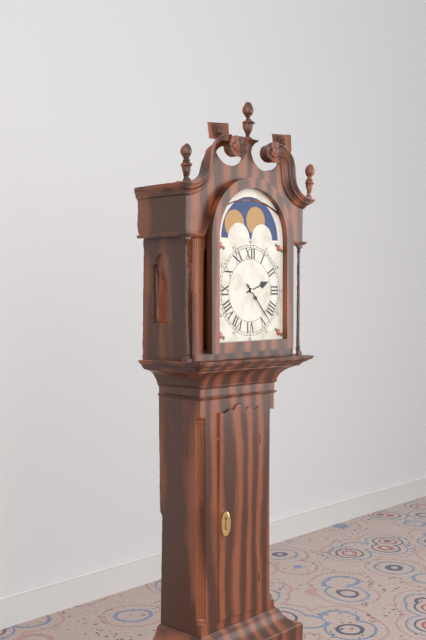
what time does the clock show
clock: 2:23
